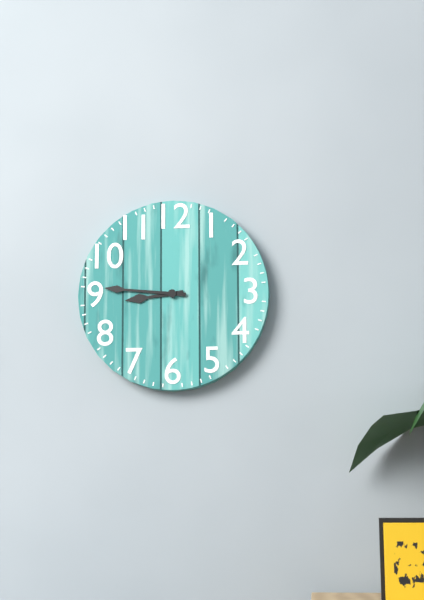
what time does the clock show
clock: 8:46
